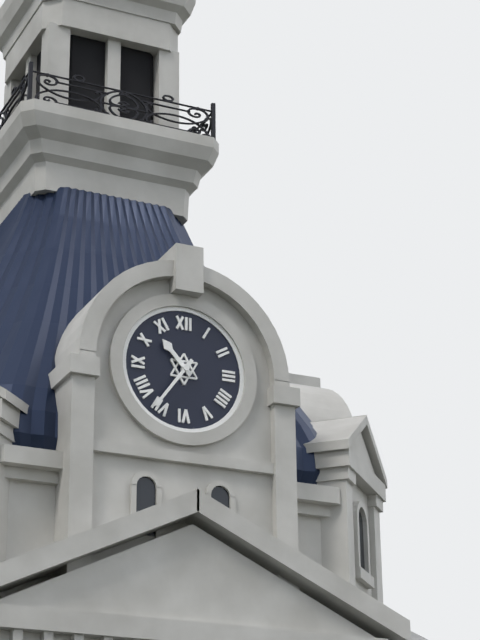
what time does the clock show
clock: 10:36
